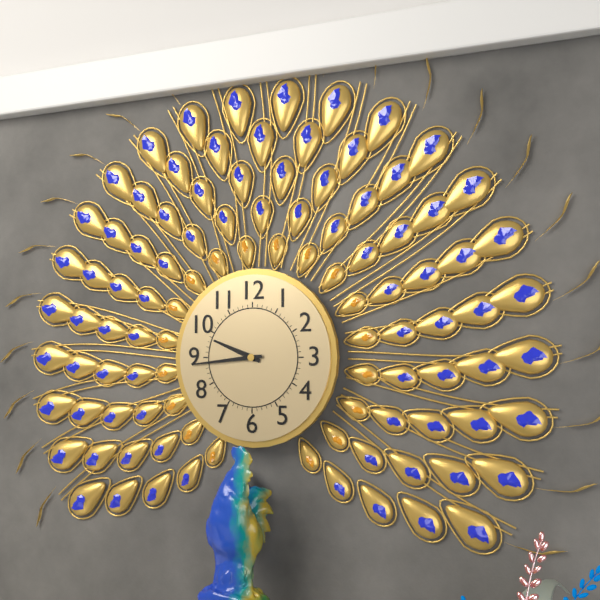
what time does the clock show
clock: 9:44
